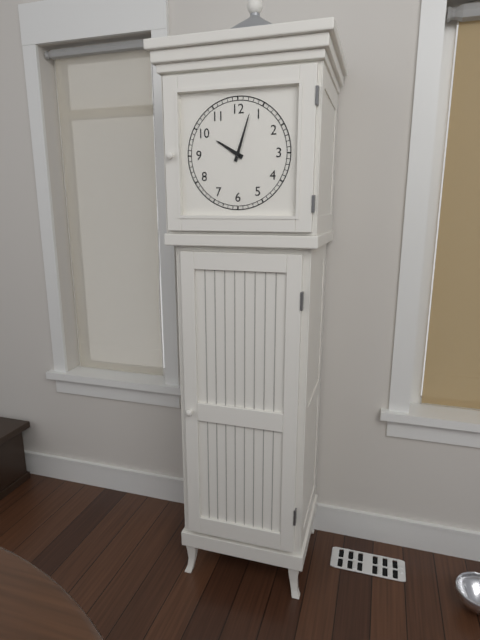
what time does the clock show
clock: 10:03
